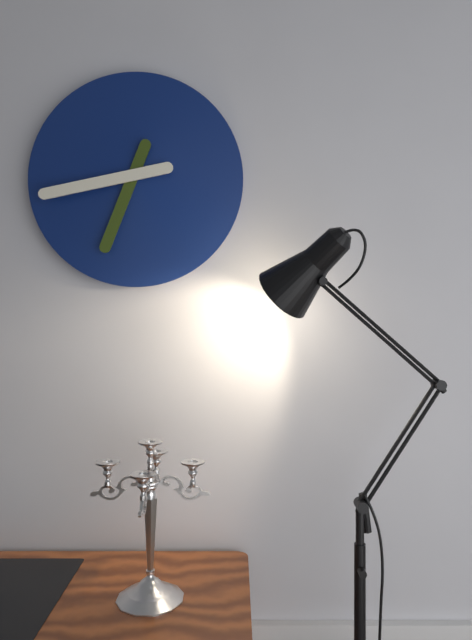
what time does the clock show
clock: 6:43
